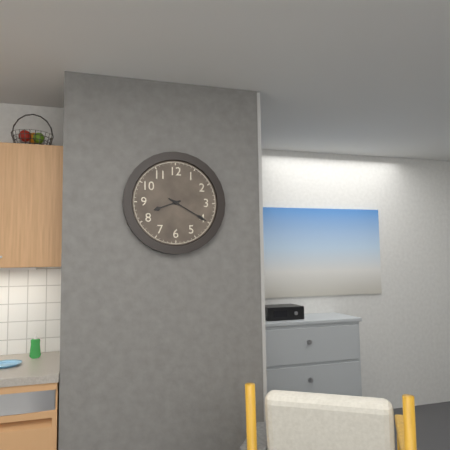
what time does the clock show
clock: 8:20
